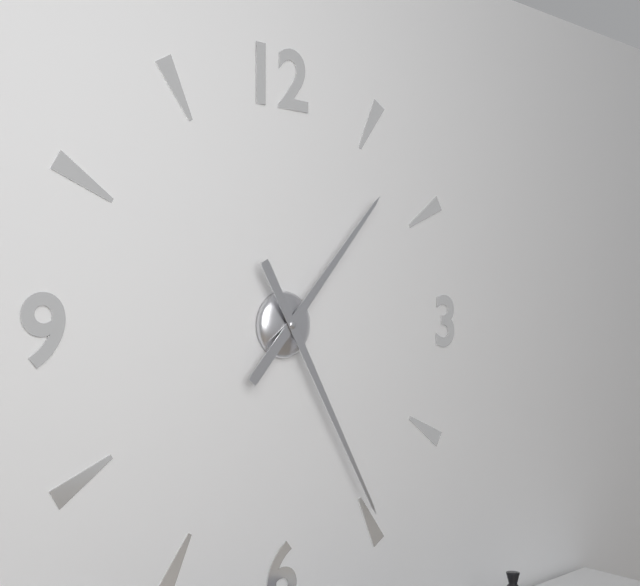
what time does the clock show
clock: 1:25
